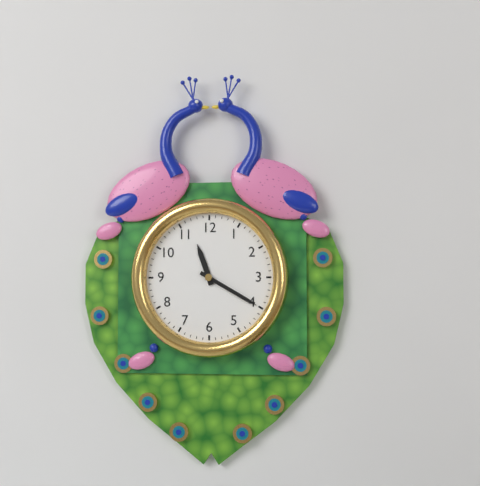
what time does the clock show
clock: 11:20
